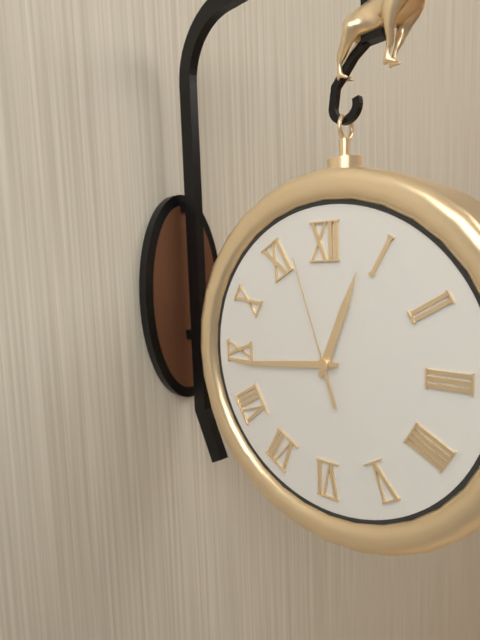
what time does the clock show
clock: 12:44:57
